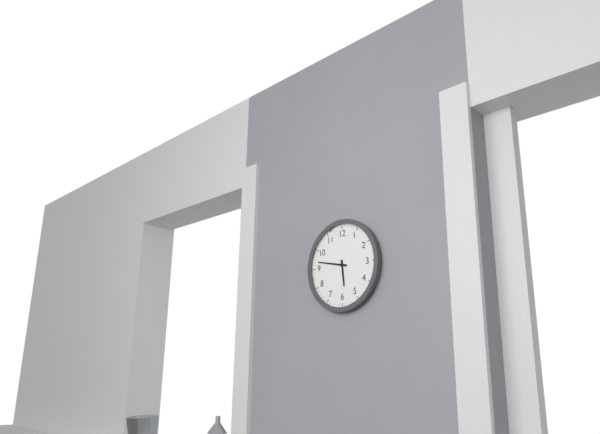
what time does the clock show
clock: 5:47
